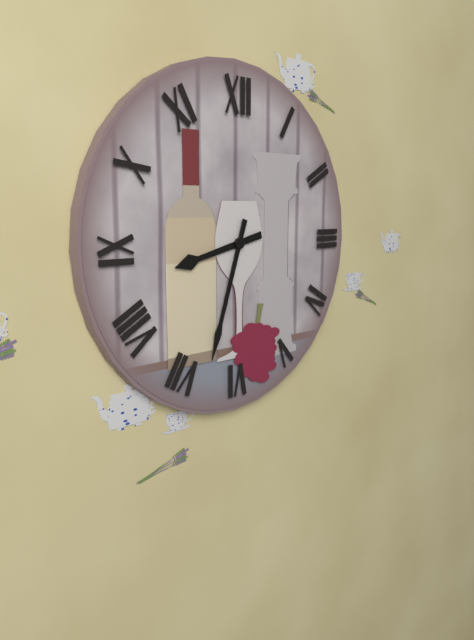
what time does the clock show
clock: 8:33
